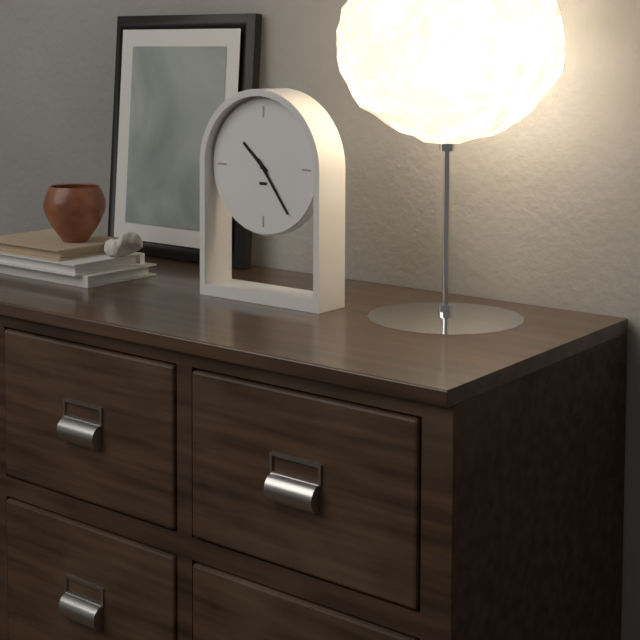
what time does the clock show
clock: 10:24
